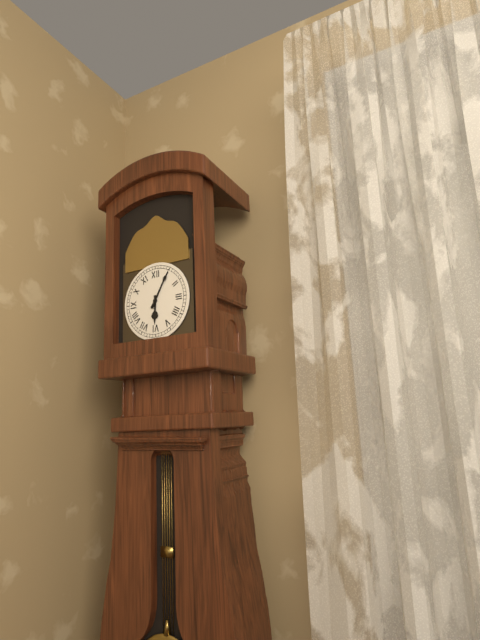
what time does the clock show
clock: 6:05
